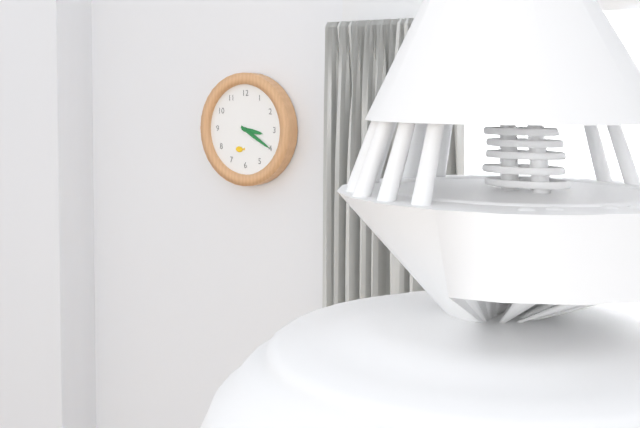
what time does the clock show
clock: 3:20
